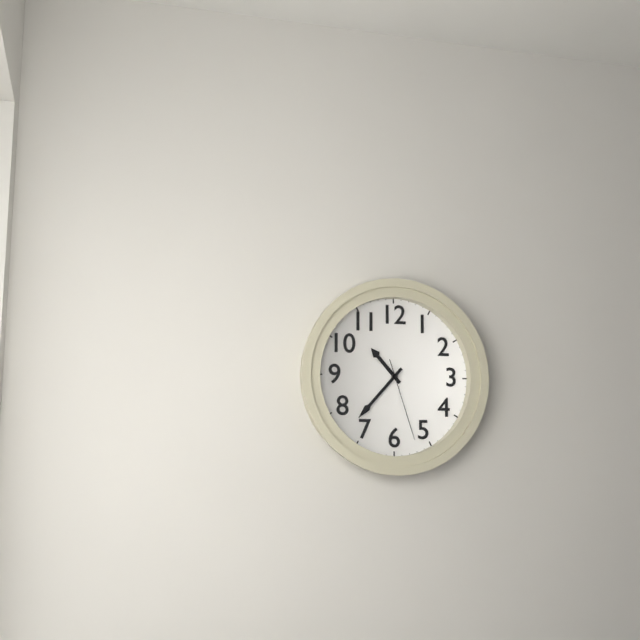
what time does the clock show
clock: 10:37:27
